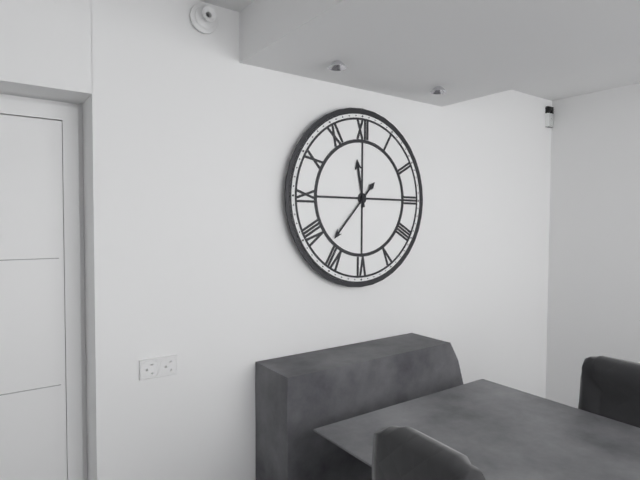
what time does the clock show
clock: 11:37
